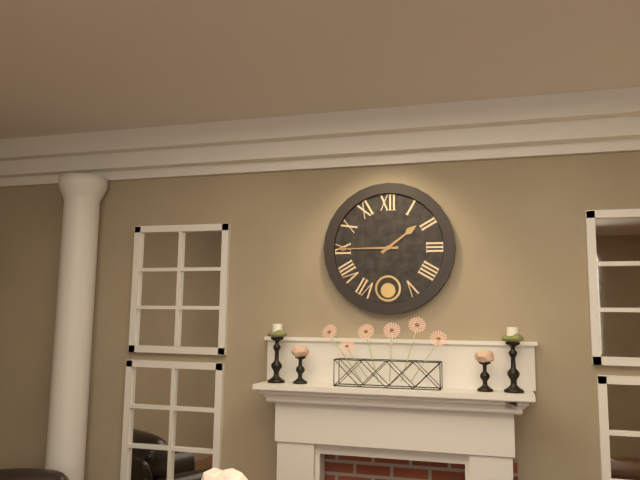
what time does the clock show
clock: 1:45
